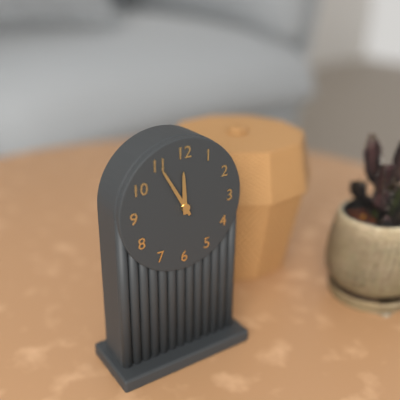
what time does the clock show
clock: 11:55
